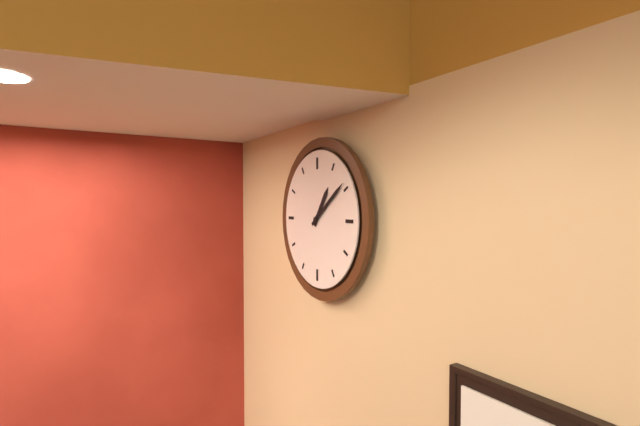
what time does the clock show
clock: 1:09
